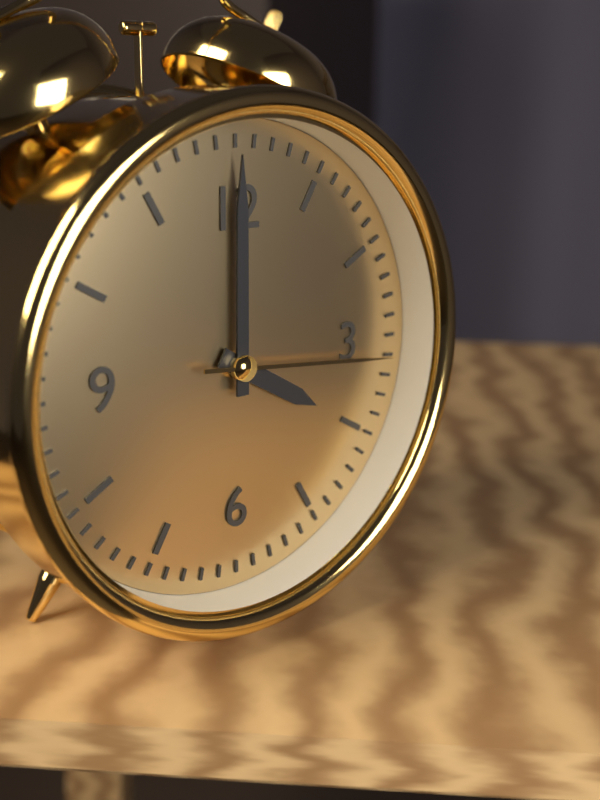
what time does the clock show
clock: 4:00:16
